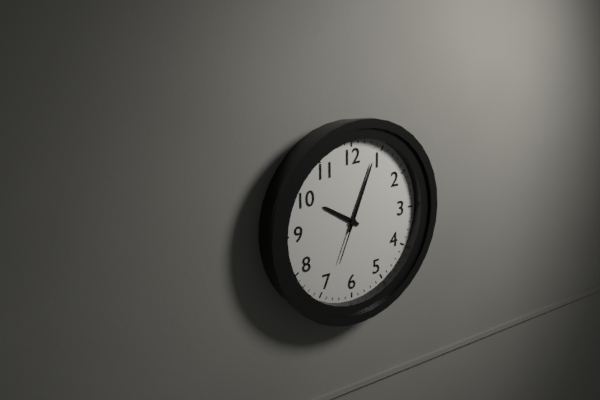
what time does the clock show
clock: 10:04:34
